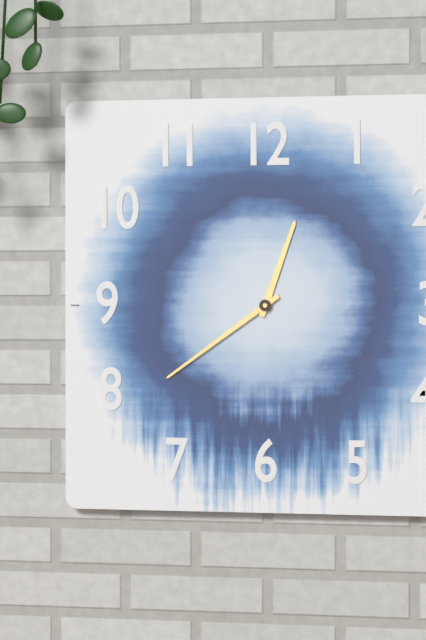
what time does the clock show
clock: 12:39
